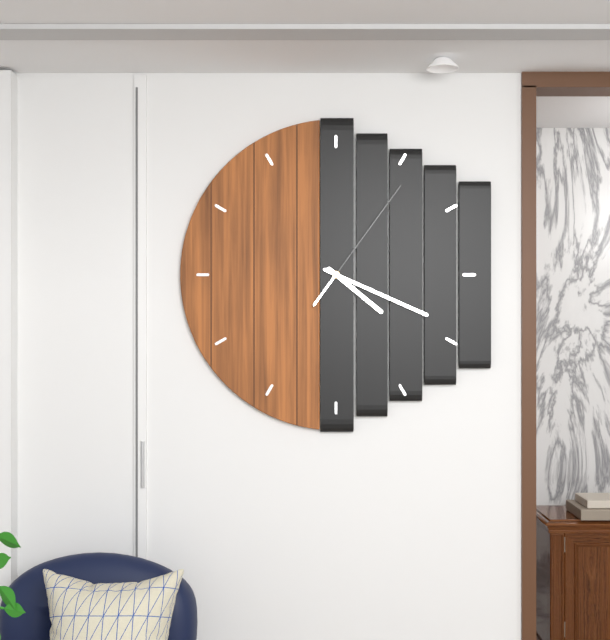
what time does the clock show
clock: 4:19:06
